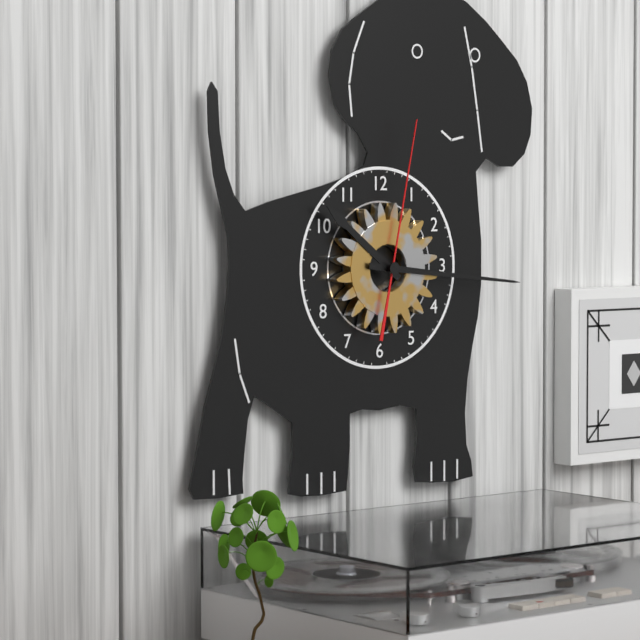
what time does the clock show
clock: 10:16:02
